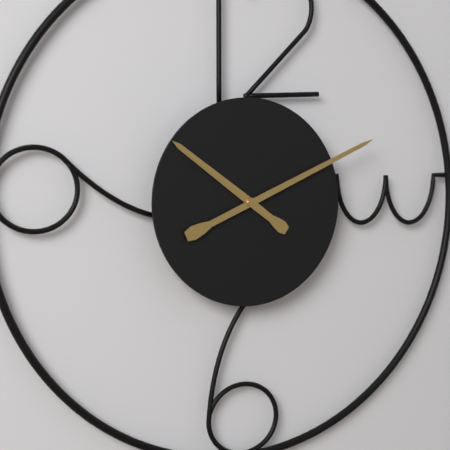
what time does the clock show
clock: 10:11
